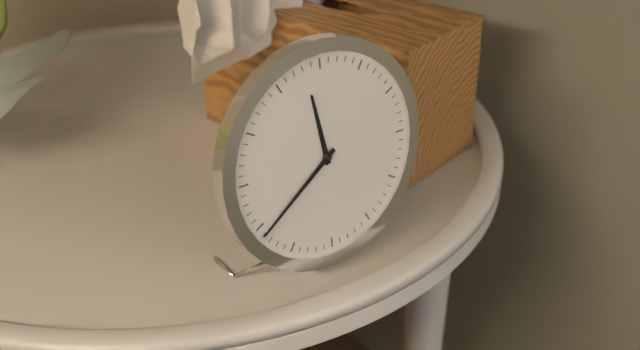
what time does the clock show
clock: 11:39
